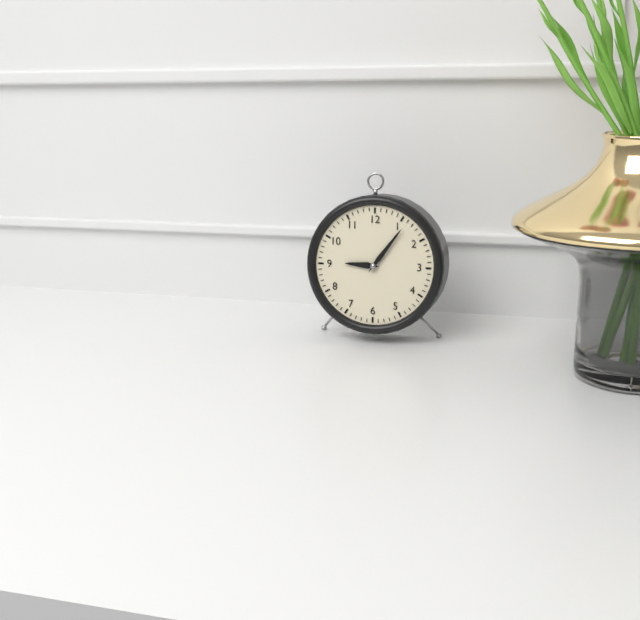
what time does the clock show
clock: 9:06
